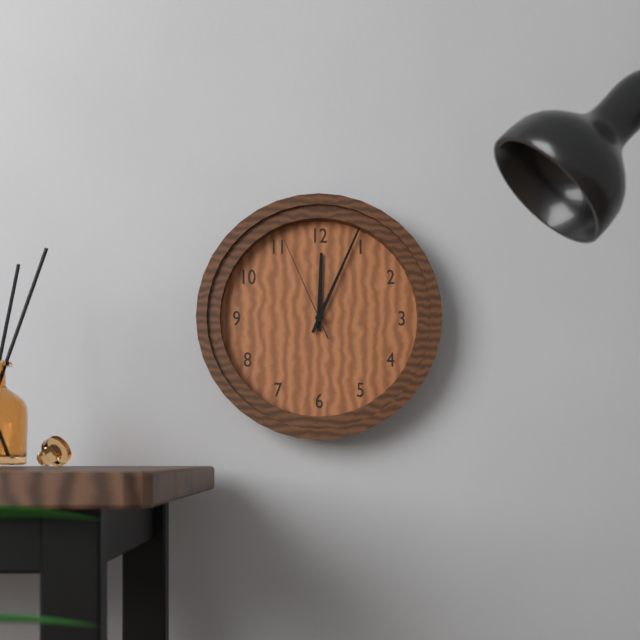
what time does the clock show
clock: 12:04:56
